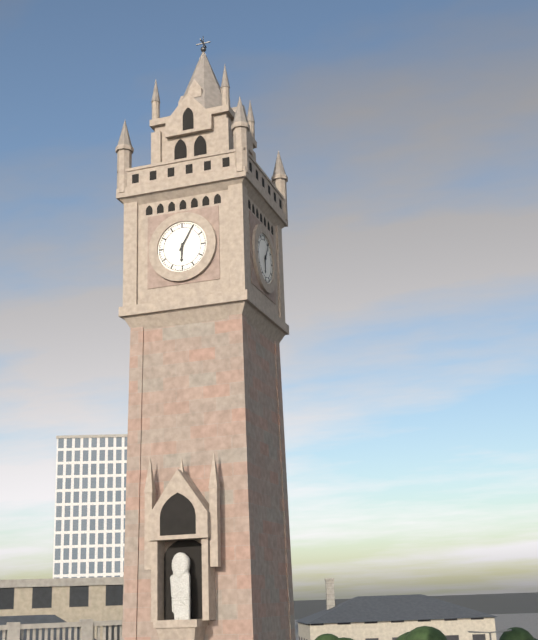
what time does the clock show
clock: 6:05
